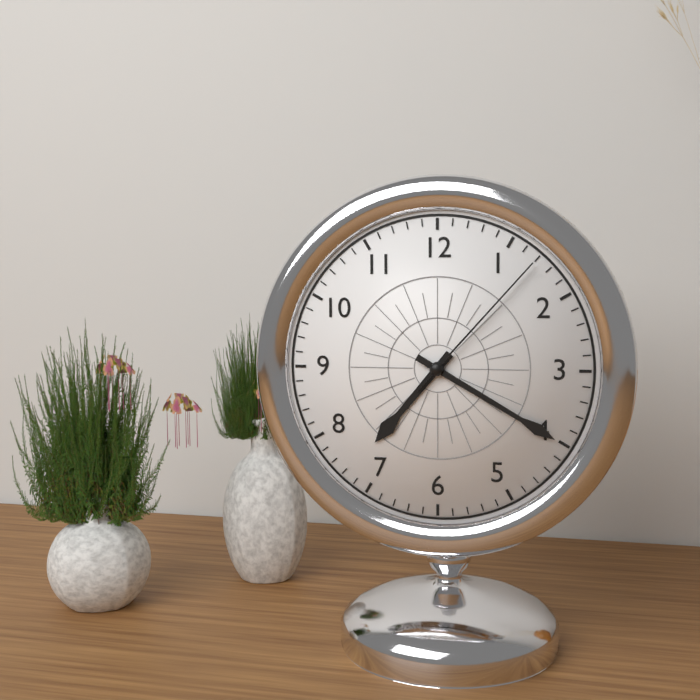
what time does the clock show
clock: 7:20:07
